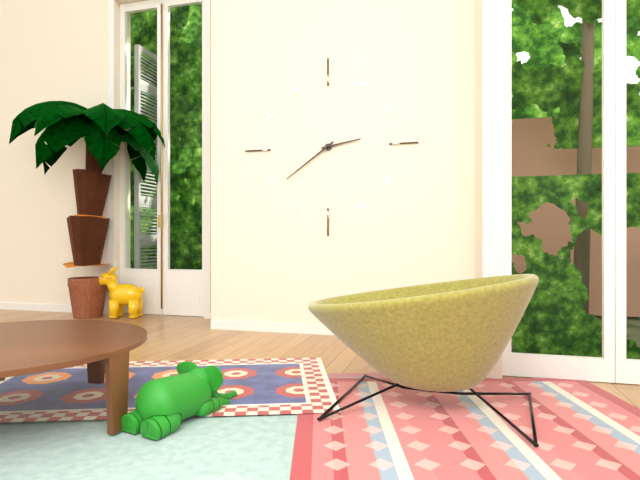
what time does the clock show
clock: 2:39
